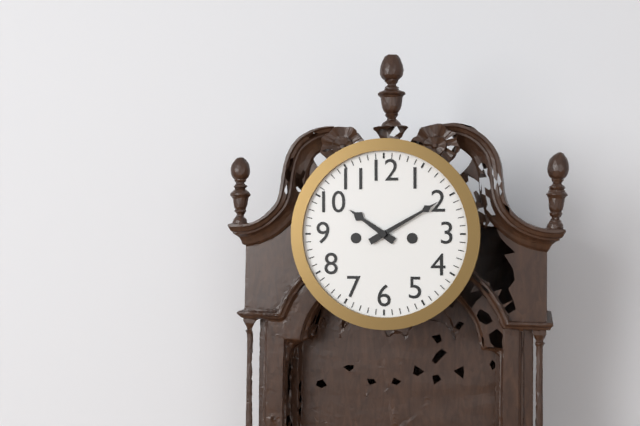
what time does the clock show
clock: 10:10
